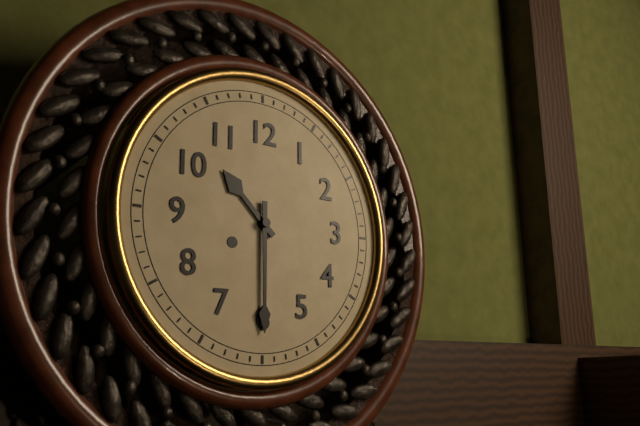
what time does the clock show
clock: 10:30
